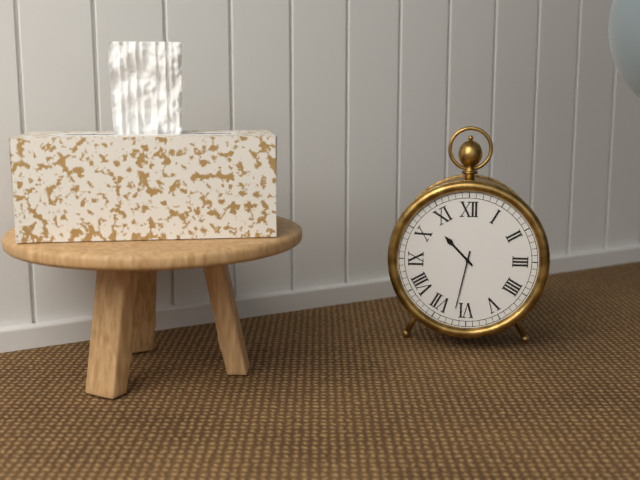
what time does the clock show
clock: 10:32
